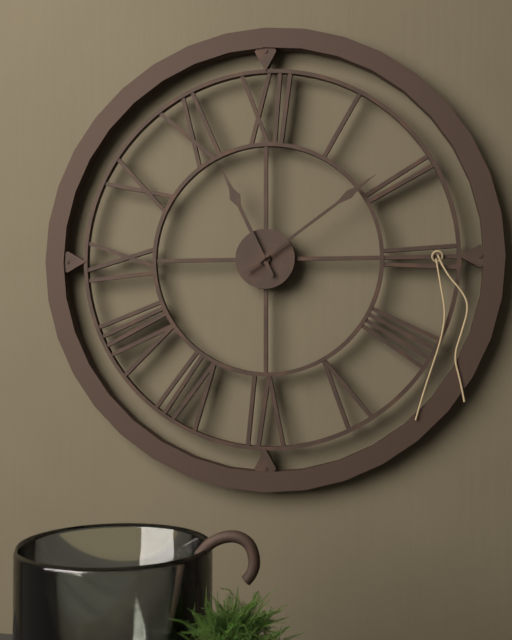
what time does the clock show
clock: 11:09
